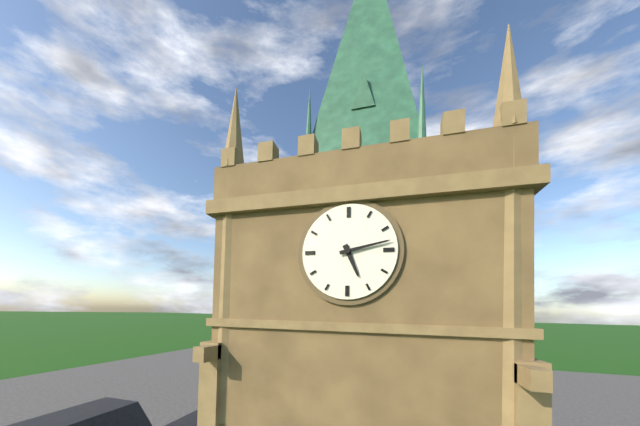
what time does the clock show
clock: 5:13
